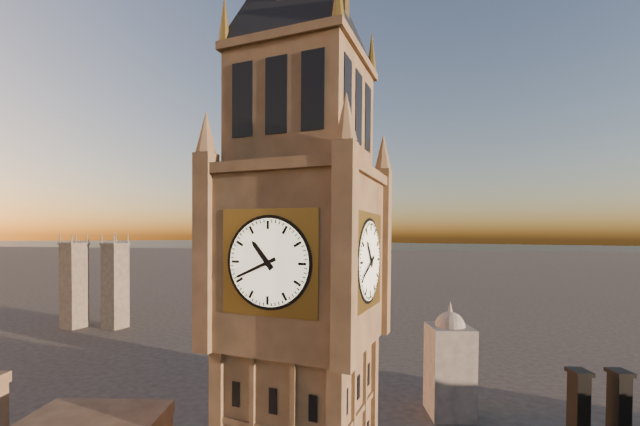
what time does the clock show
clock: 10:41
